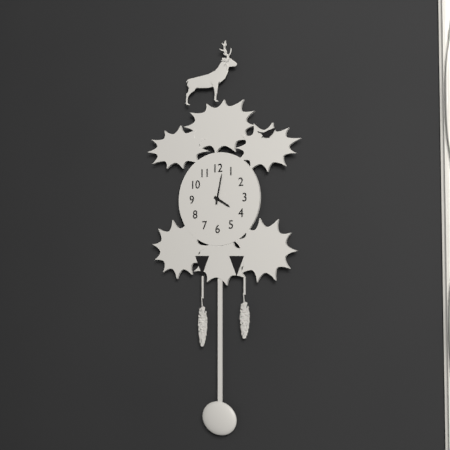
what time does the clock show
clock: 4:02
